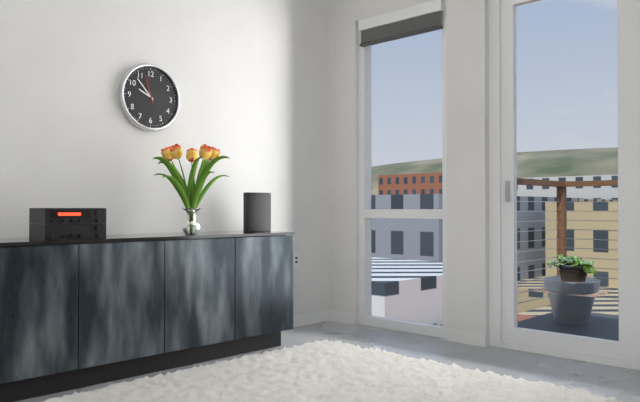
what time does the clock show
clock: 9:53
